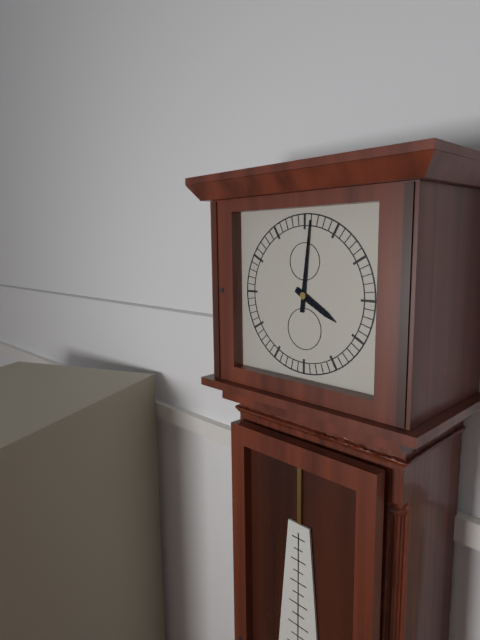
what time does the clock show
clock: 4:01
